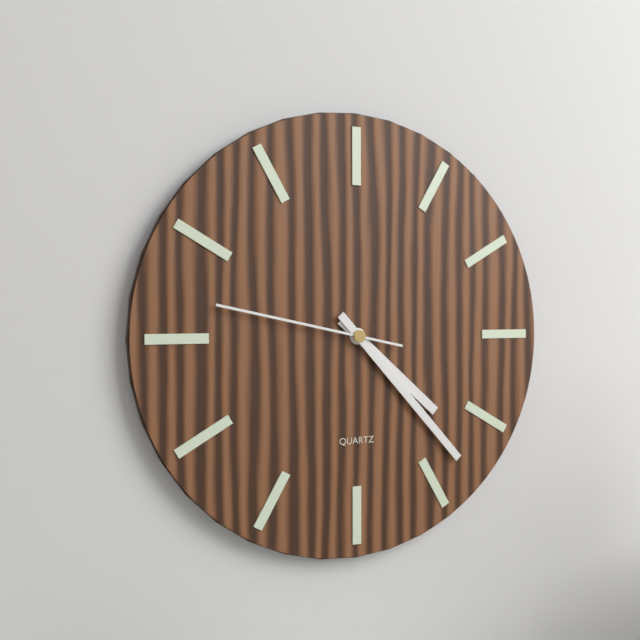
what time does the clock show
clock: 4:23:47
